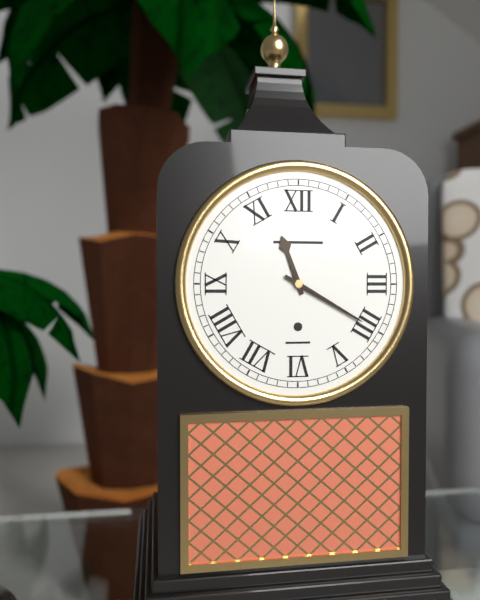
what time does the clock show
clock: 11:20
